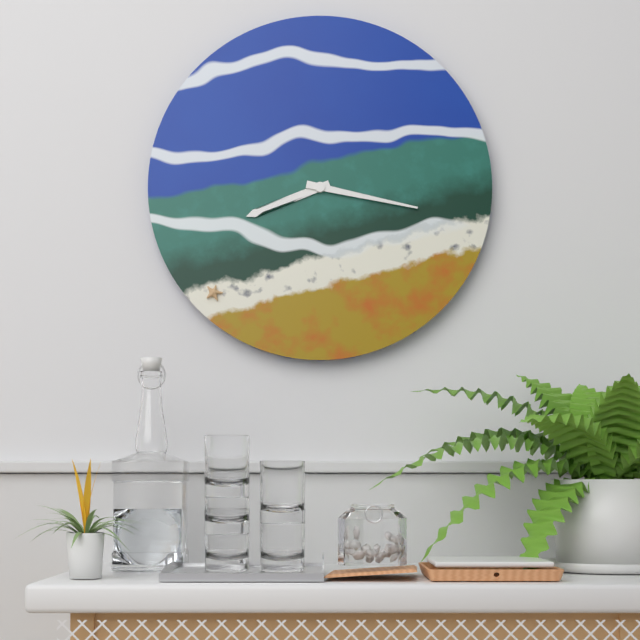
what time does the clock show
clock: 8:17
